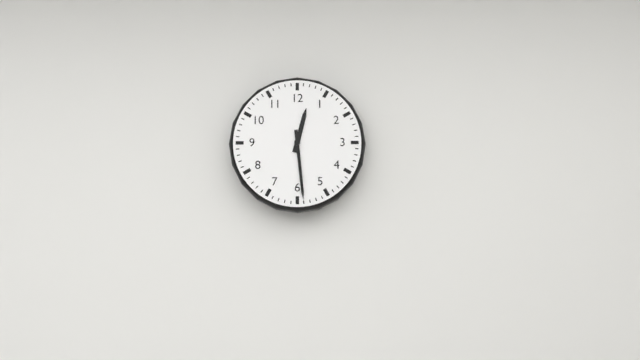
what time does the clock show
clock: 12:29
